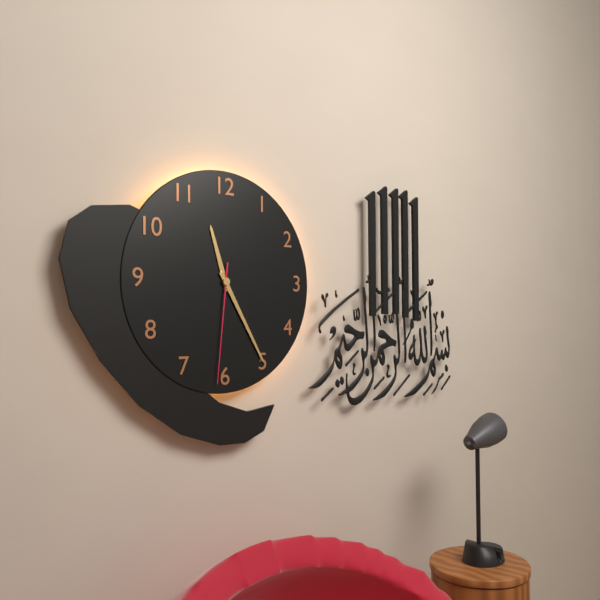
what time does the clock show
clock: 11:25:31
